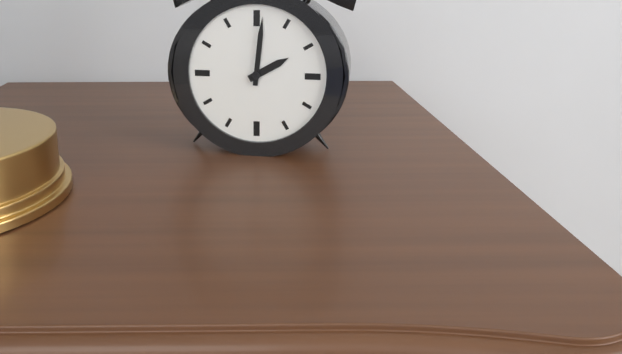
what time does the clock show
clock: 2:01
